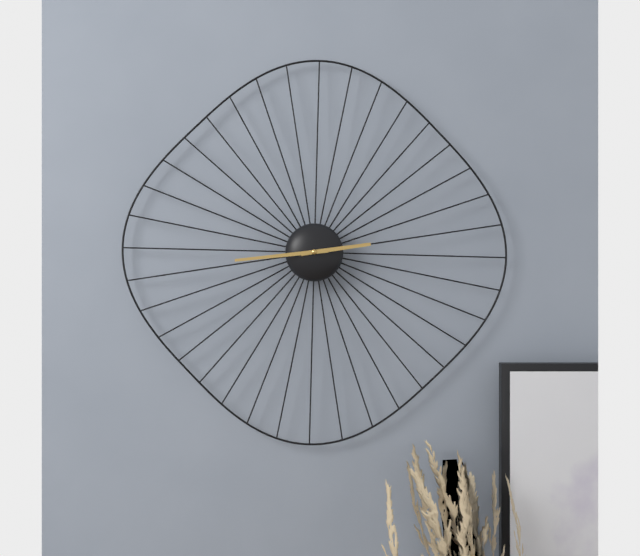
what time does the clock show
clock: 2:44
